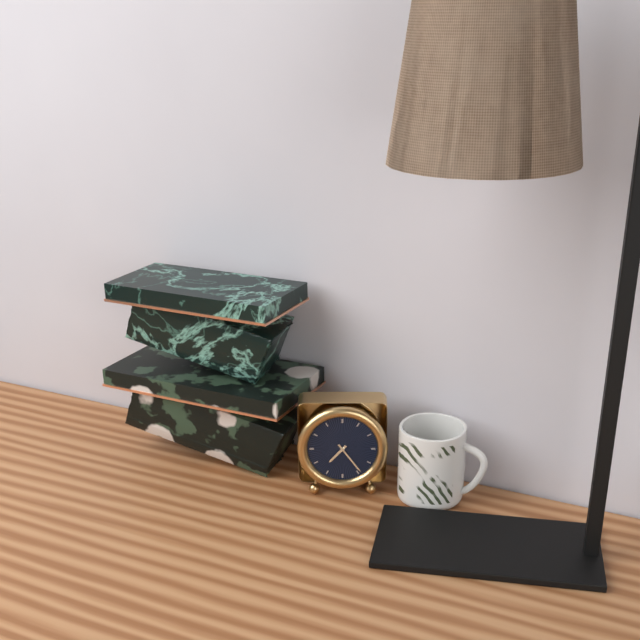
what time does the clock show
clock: 7:24
